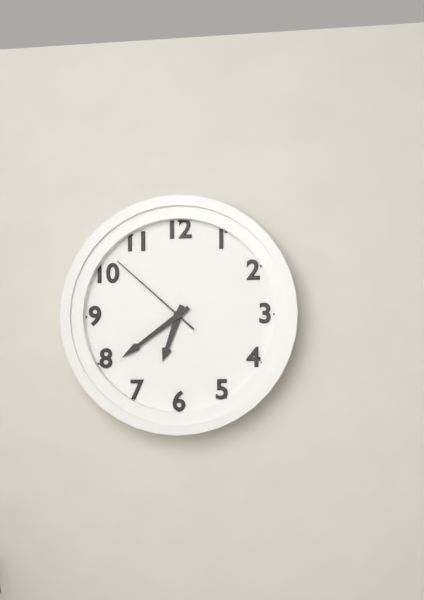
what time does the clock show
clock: 6:39:52
